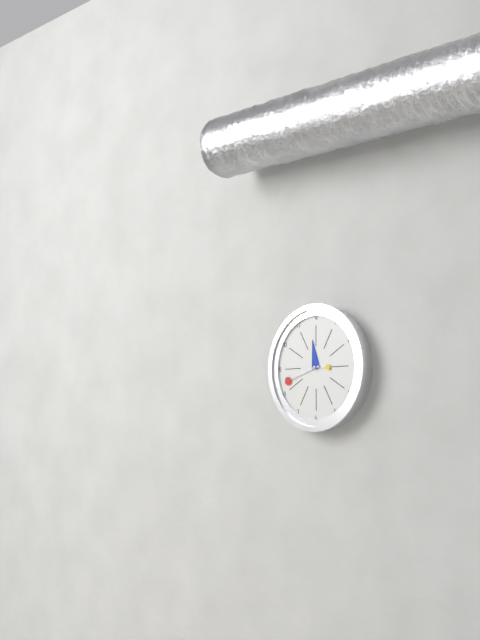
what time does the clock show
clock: 11:42
